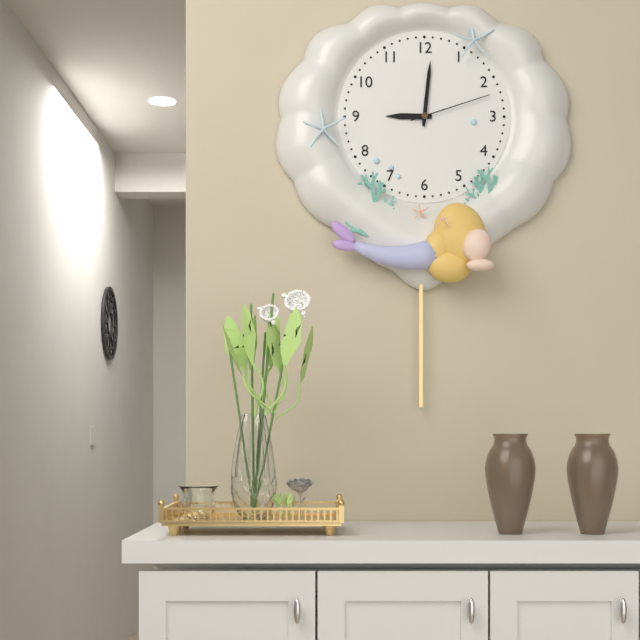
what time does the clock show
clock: 9:01:12
